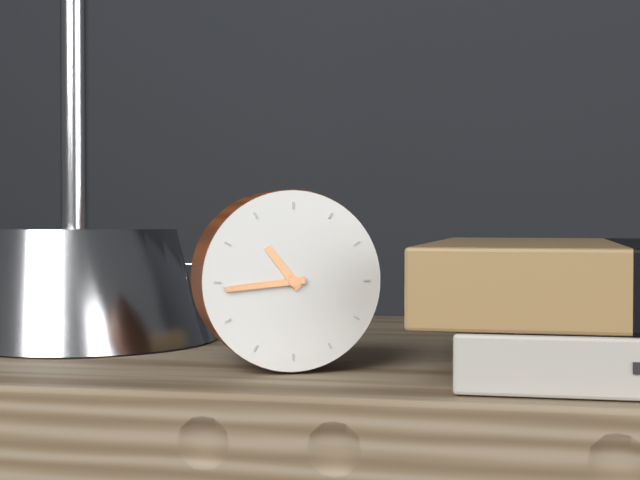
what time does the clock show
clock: 10:44
